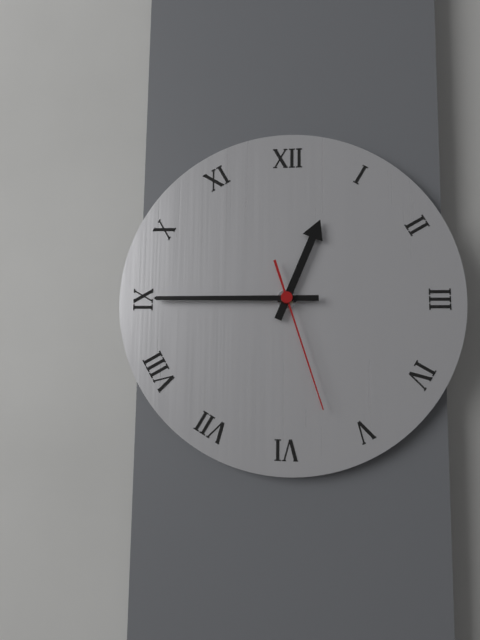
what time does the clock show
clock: 12:45:27
